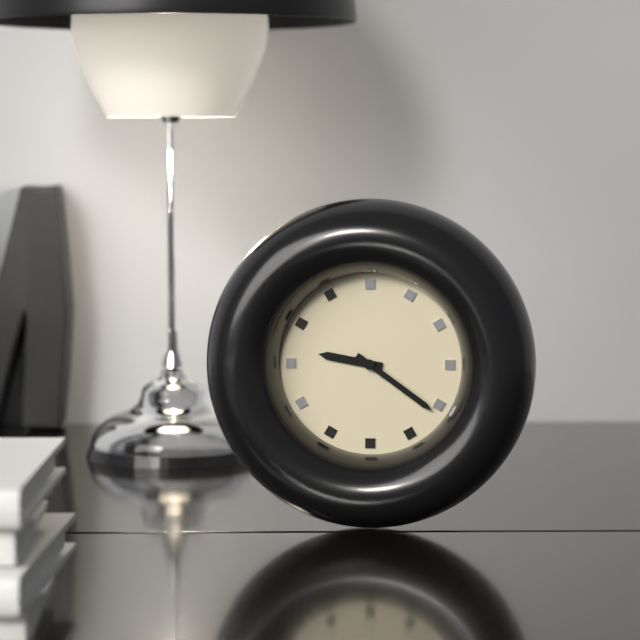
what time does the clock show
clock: 9:21
